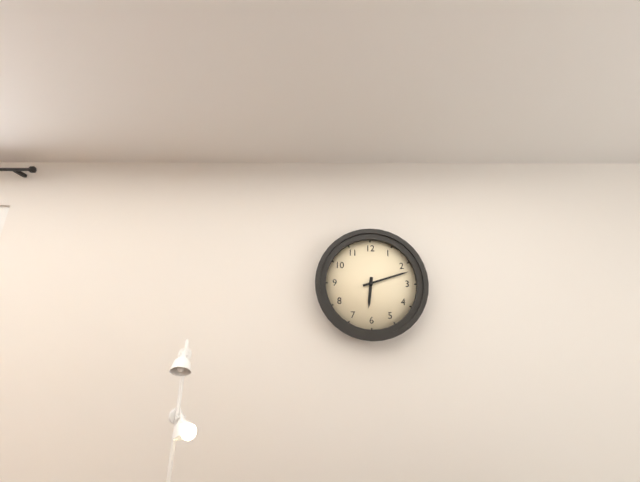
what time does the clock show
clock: 6:12
